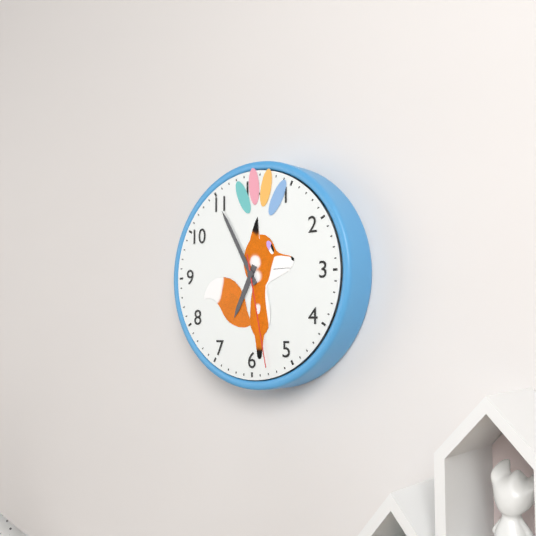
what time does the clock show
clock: 6:55:28
